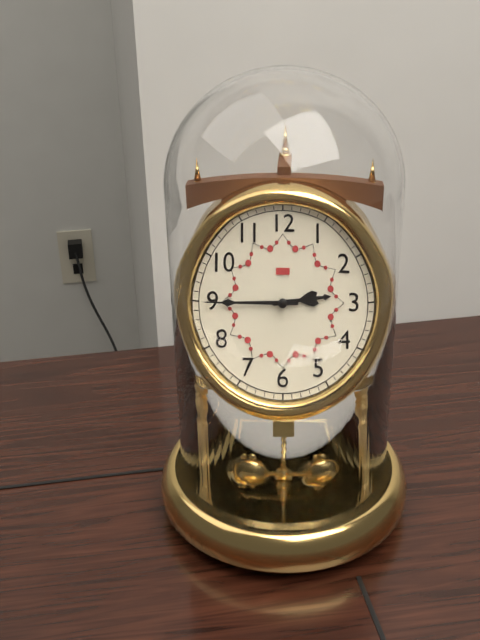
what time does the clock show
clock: 2:45
